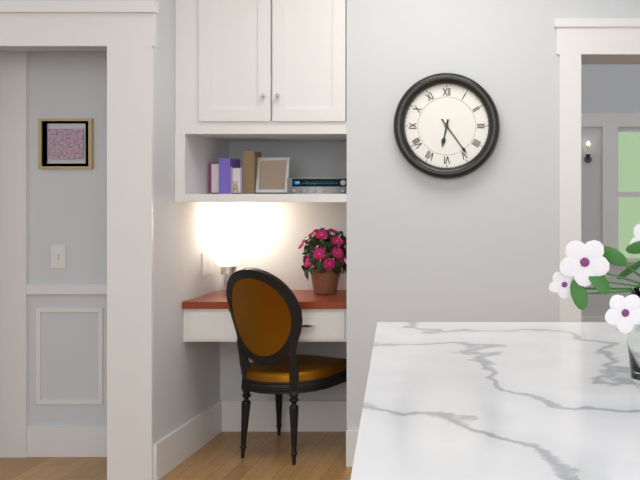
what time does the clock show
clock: 6:24
